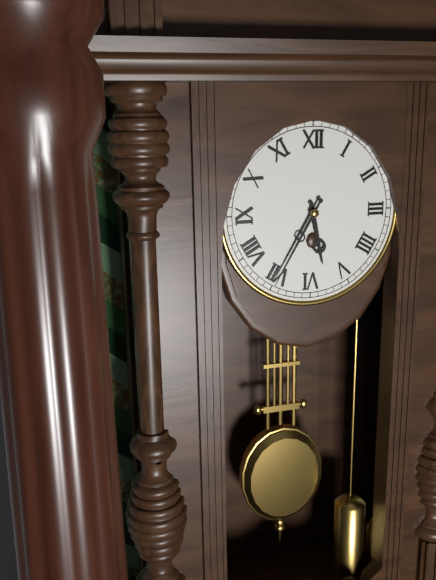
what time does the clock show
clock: 5:35
